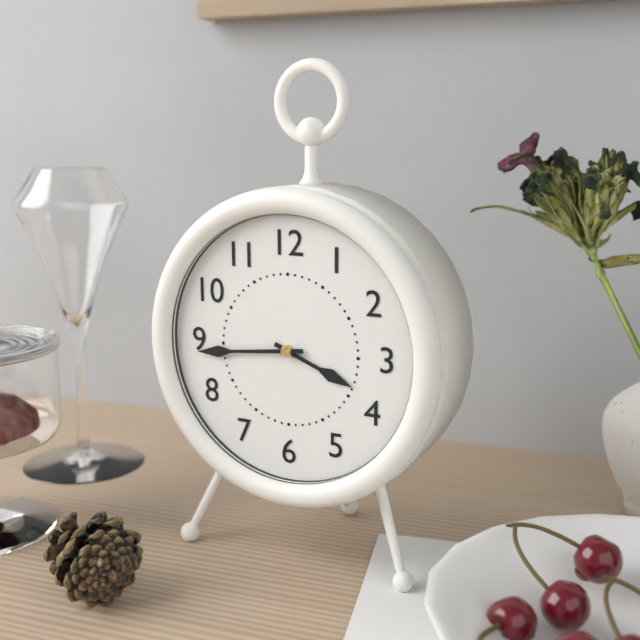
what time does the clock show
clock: 3:44
